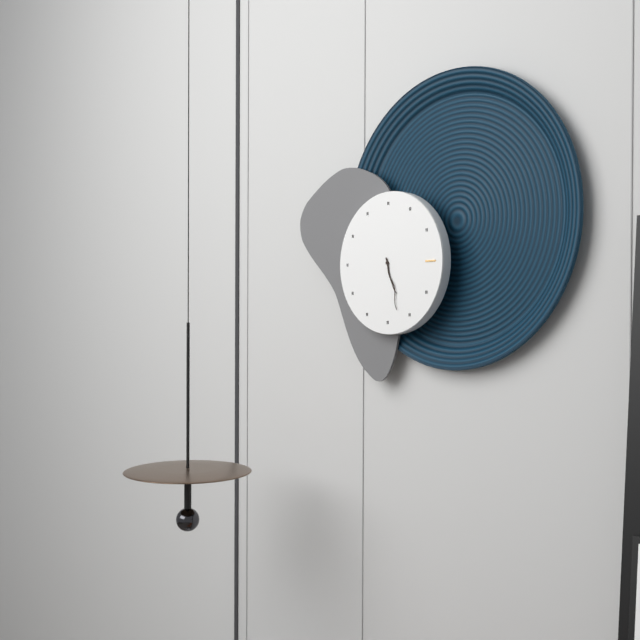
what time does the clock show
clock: 5:27
